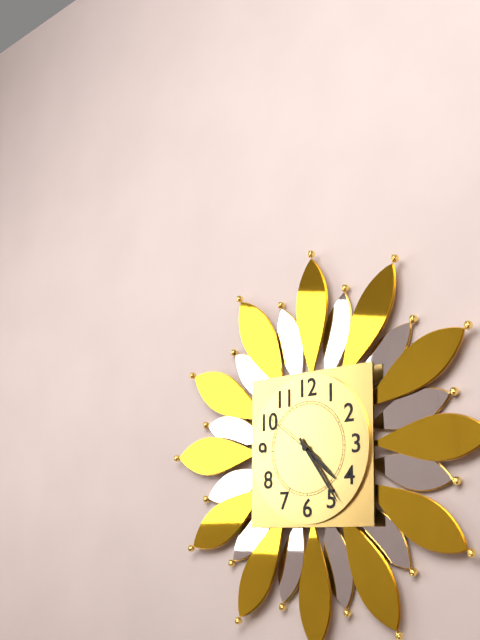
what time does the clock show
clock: 4:24:51
